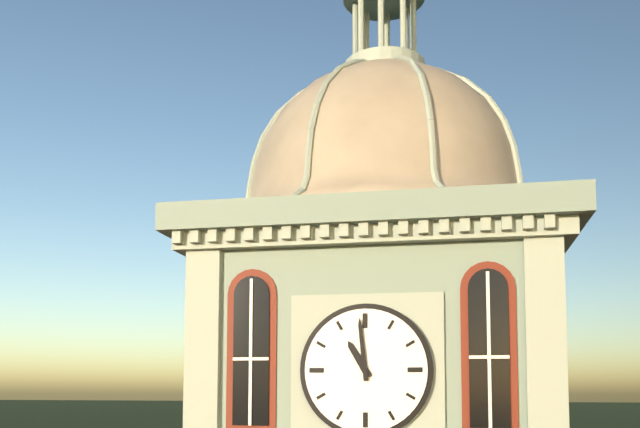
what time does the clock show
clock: 10:59
